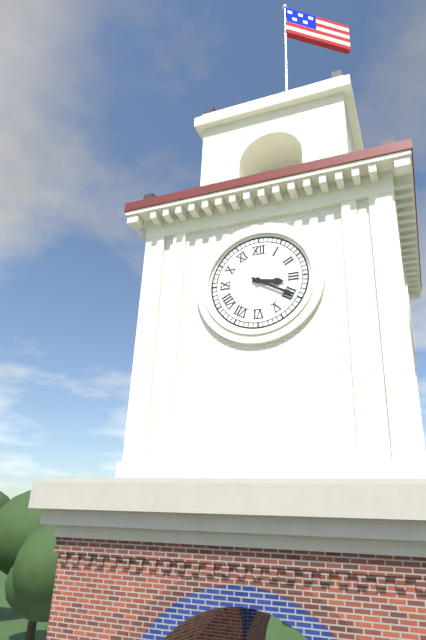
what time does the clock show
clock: 3:20
